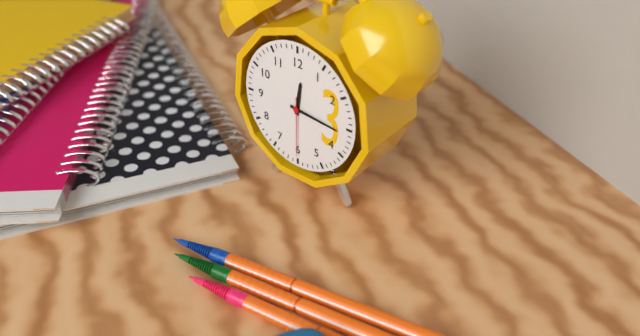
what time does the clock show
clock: 12:16:30
